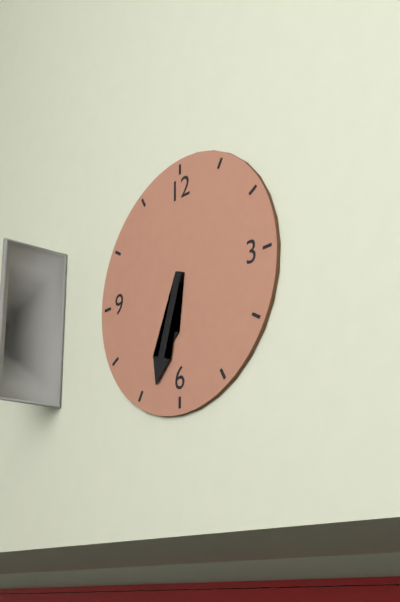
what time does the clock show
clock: 6:33
